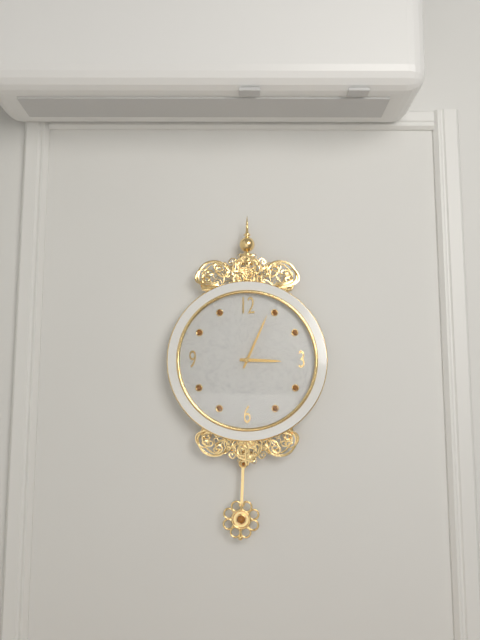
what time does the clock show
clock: 3:04
